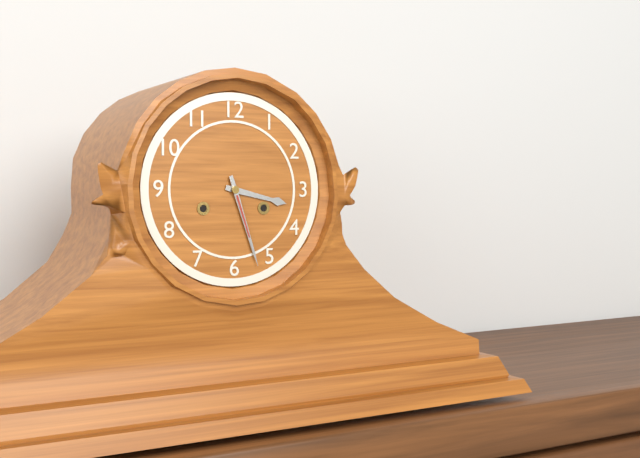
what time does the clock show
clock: 3:27
